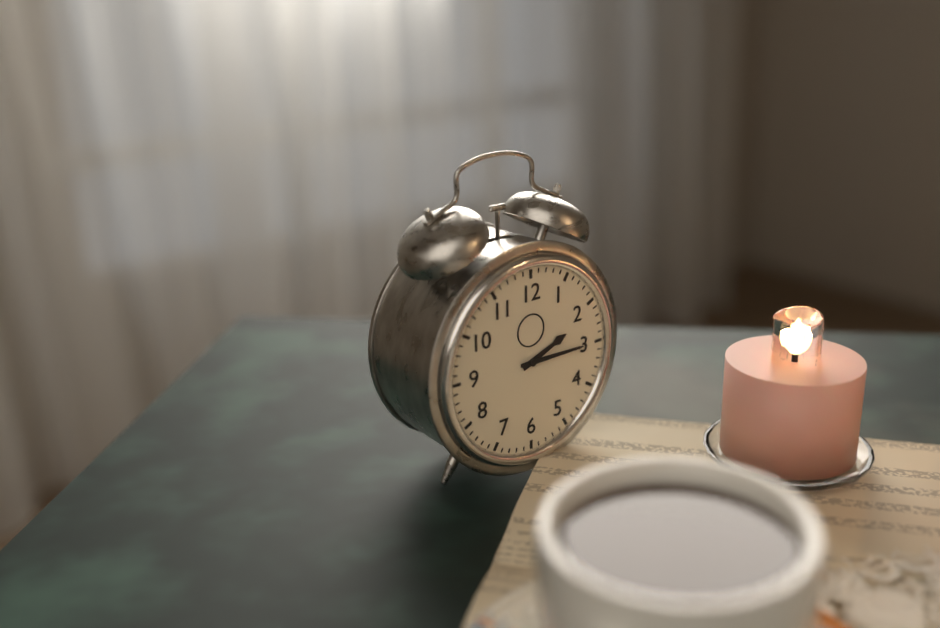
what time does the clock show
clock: 2:15
